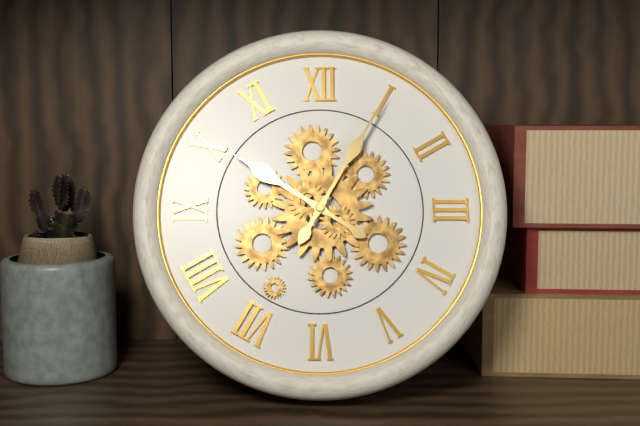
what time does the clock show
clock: 10:05
